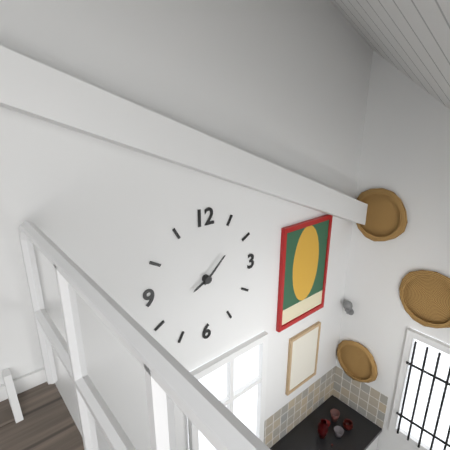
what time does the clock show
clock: 8:08
